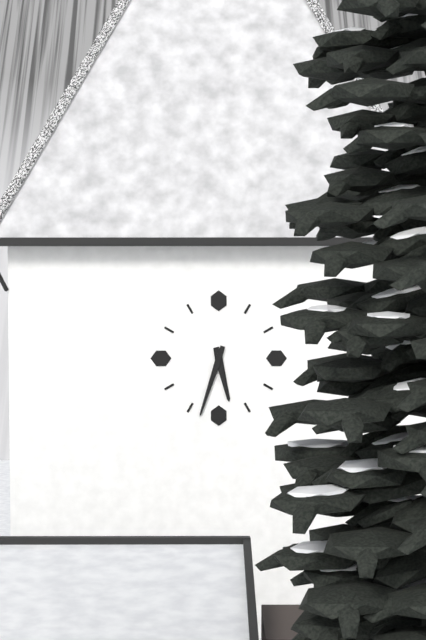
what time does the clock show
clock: 5:33
